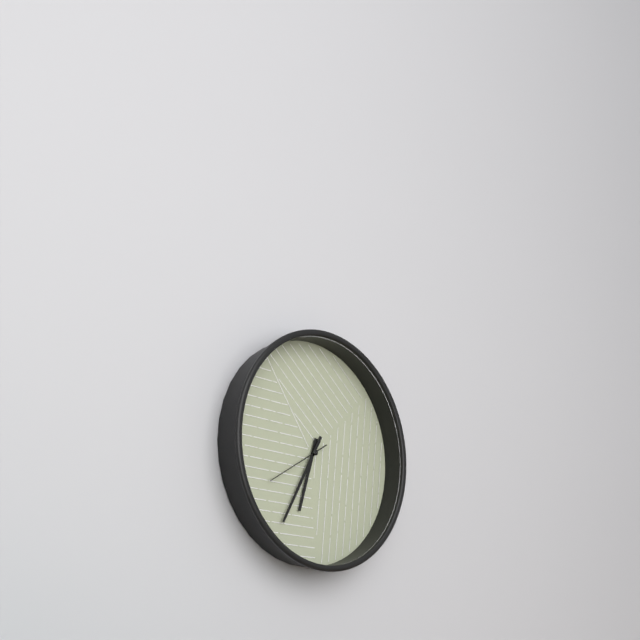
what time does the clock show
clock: 6:35:40
